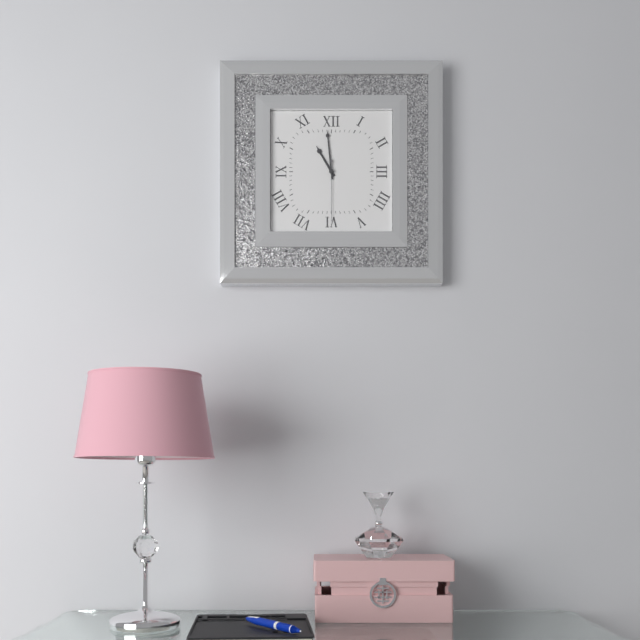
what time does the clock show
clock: 10:59:30
